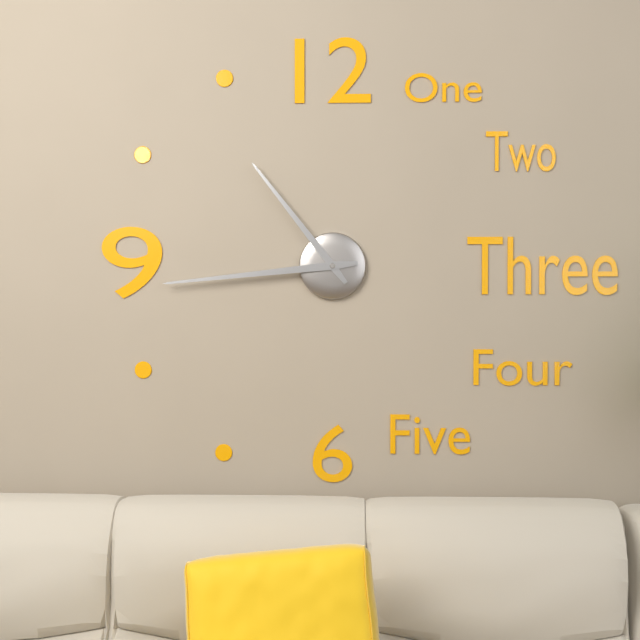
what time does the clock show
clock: 10:44
